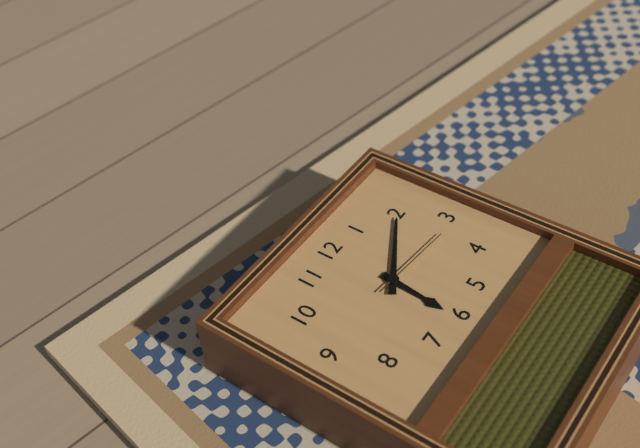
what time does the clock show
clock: 6:10:16
